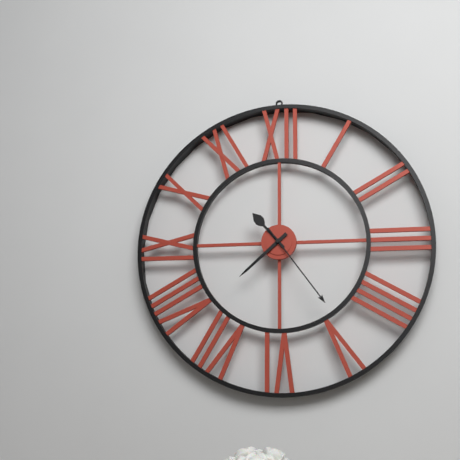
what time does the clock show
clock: 10:38:24
